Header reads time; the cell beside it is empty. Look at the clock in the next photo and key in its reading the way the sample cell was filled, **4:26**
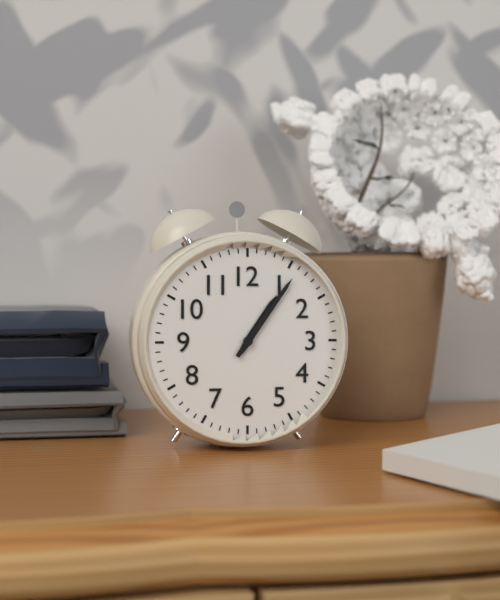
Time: **1:06**
